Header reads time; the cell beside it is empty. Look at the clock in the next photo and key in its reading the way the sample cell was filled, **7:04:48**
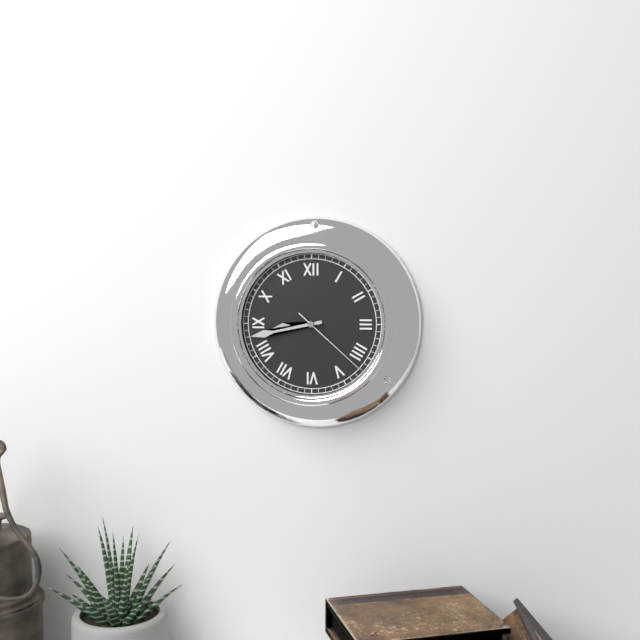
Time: **8:43:22**
